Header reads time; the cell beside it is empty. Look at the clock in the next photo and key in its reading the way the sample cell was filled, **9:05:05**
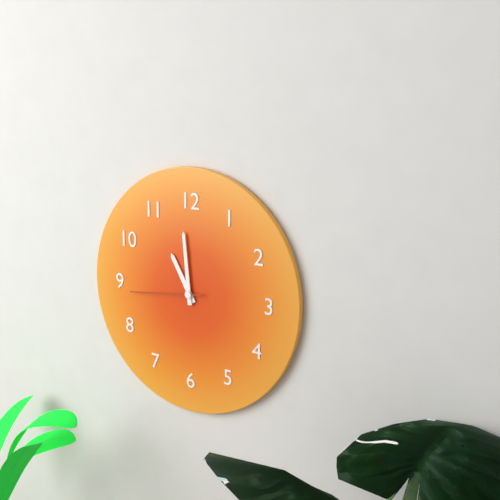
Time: **10:59:44**
